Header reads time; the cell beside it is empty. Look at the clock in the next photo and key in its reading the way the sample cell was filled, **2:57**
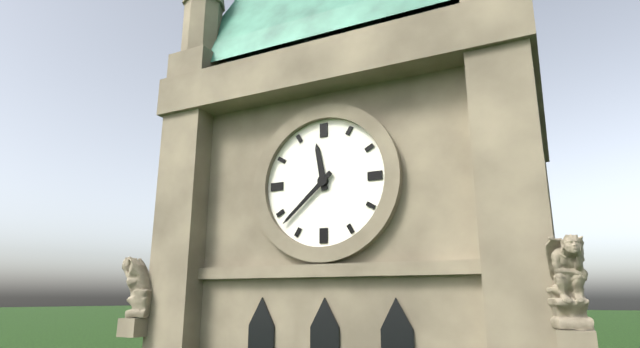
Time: **11:38**
